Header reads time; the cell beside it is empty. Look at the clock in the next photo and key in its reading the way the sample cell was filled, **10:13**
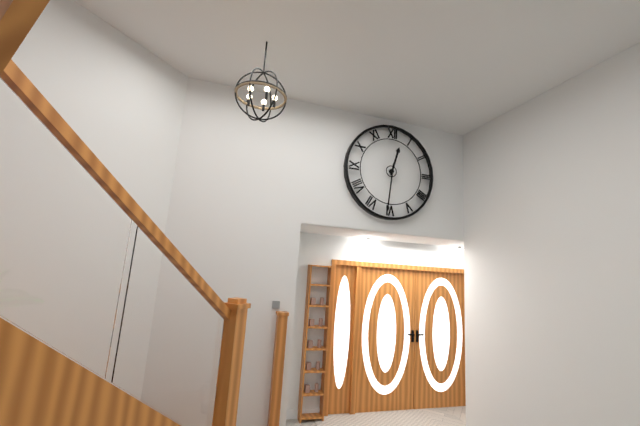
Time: **12:31**
